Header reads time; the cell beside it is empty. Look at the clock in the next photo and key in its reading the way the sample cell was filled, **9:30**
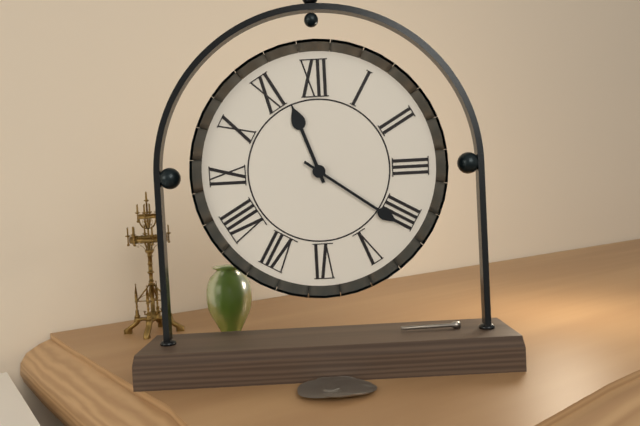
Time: **11:21**
